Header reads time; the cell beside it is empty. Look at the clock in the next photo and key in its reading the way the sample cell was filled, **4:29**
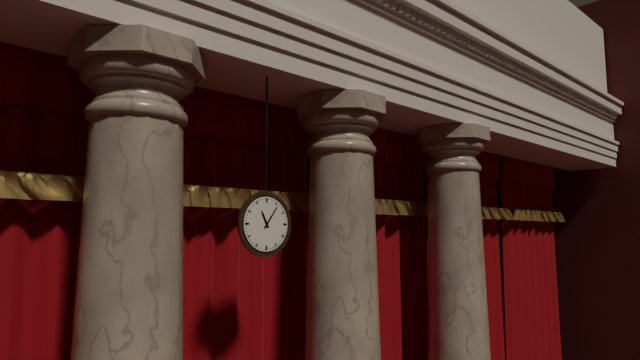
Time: **11:06**
